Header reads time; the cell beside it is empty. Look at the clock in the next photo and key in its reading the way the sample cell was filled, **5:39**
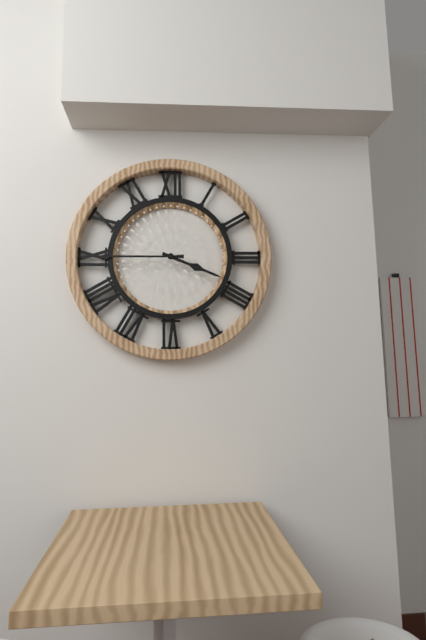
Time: **3:45**
